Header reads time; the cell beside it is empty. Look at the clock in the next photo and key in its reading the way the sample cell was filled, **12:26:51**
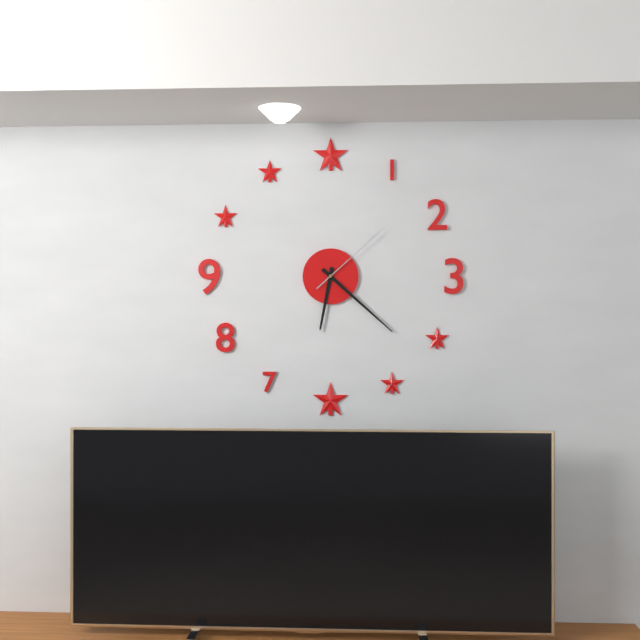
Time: **6:22:08**
